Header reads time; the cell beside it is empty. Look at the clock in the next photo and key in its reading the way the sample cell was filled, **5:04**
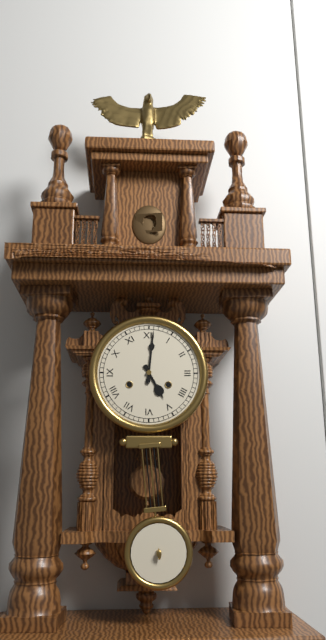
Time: **5:01**
